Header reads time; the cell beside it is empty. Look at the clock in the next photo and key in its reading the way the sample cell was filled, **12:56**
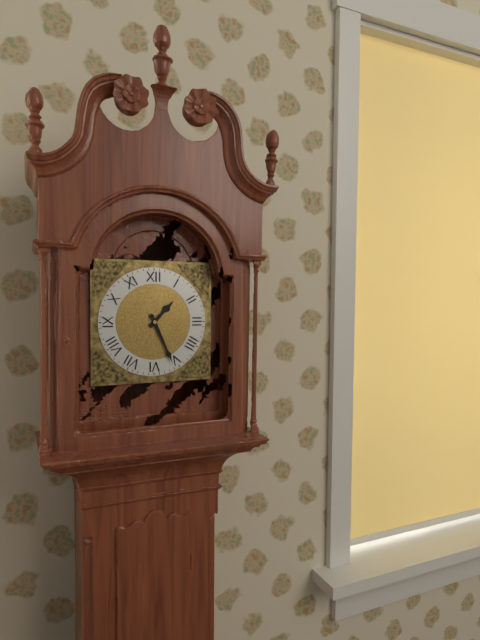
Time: **1:26**
